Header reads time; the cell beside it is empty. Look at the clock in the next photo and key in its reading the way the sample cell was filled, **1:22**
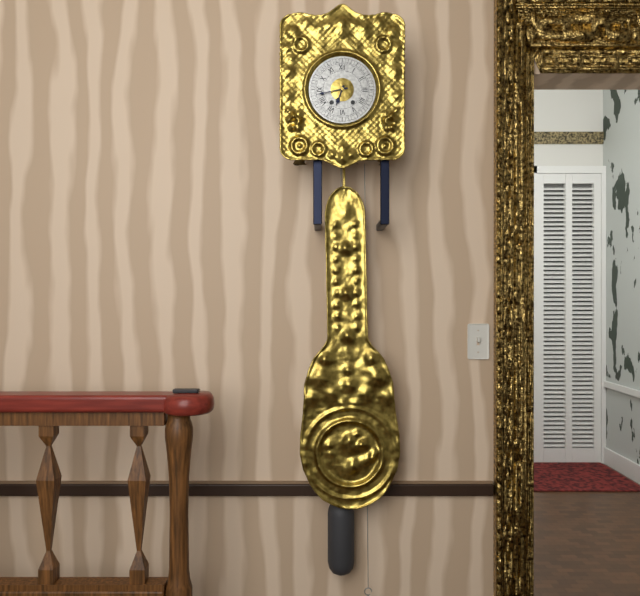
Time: **6:43**
